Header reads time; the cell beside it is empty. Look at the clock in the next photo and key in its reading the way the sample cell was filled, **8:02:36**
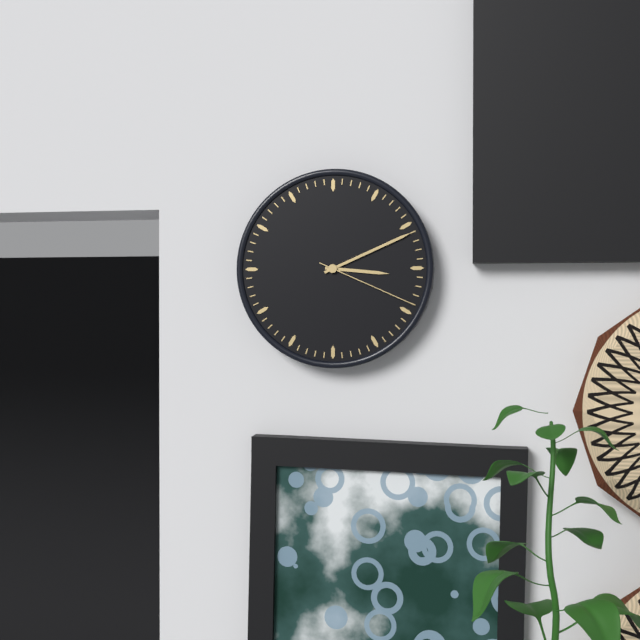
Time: **3:11:19**
